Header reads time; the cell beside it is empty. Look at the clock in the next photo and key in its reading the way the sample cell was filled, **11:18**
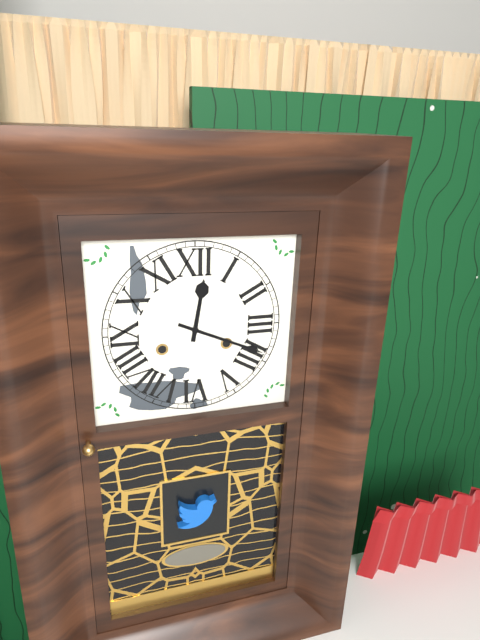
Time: **12:19**
